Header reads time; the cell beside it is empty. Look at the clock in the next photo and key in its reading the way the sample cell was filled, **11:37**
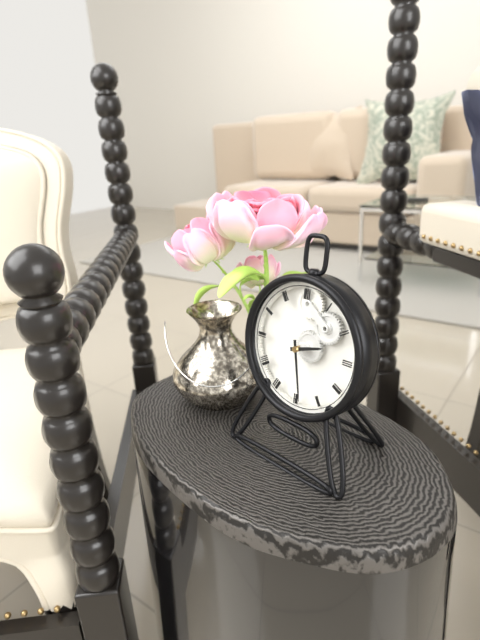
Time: **2:28**
